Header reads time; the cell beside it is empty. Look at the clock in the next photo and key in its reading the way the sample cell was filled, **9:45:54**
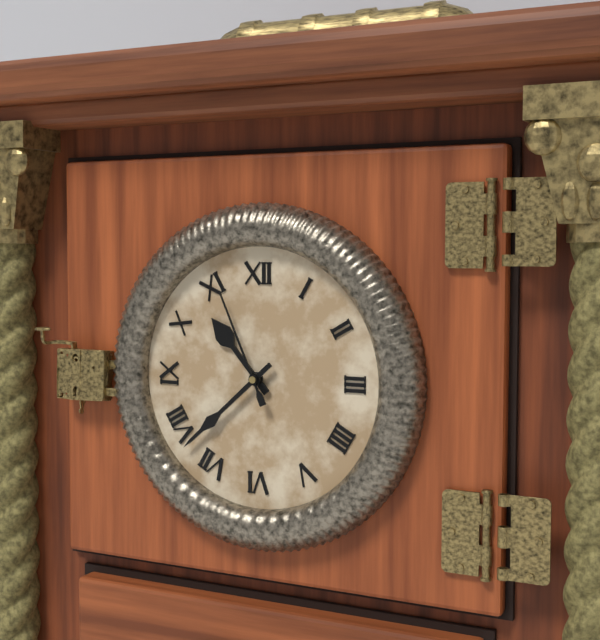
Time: **10:38:56**
